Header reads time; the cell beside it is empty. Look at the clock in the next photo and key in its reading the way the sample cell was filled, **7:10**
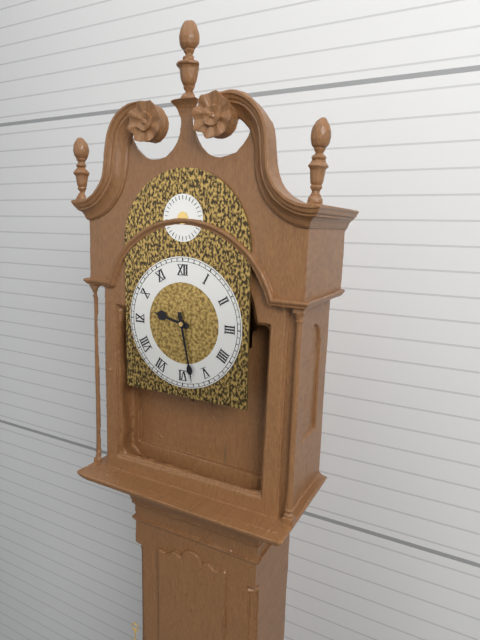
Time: **9:28**
